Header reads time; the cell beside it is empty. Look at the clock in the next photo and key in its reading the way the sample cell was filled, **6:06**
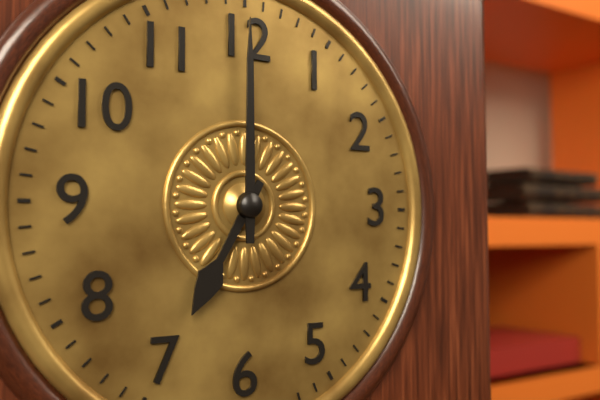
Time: **7:00**
